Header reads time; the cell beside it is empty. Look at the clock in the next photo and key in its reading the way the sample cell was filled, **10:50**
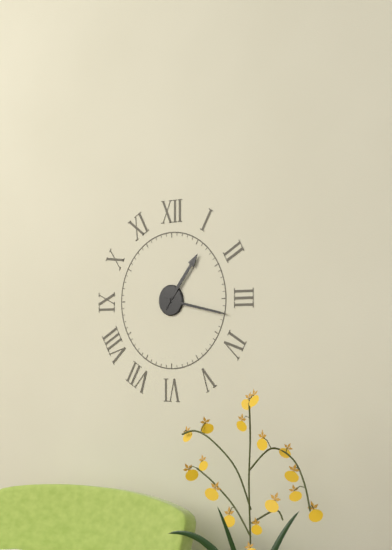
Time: **1:17**
